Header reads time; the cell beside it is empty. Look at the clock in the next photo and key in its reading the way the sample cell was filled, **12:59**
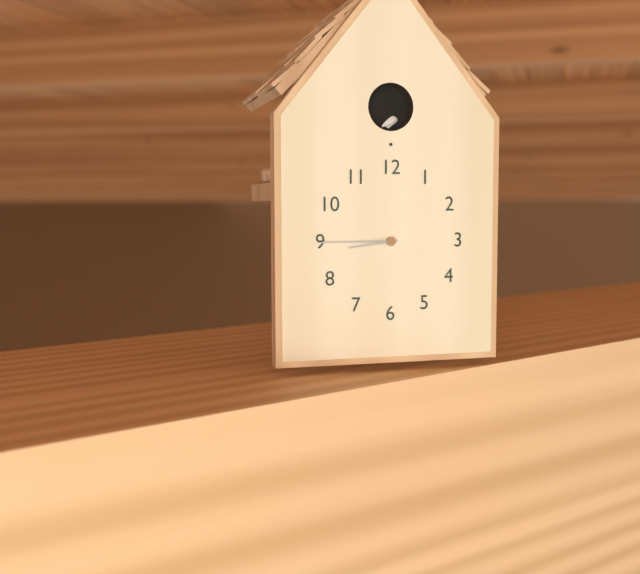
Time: **8:45**
